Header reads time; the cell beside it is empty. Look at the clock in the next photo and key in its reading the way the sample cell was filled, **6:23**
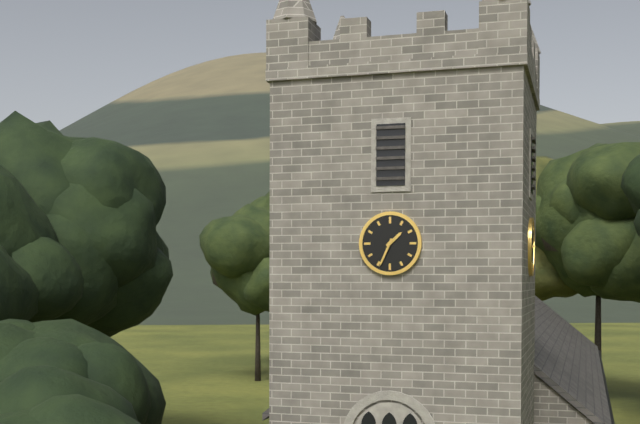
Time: **1:34**
